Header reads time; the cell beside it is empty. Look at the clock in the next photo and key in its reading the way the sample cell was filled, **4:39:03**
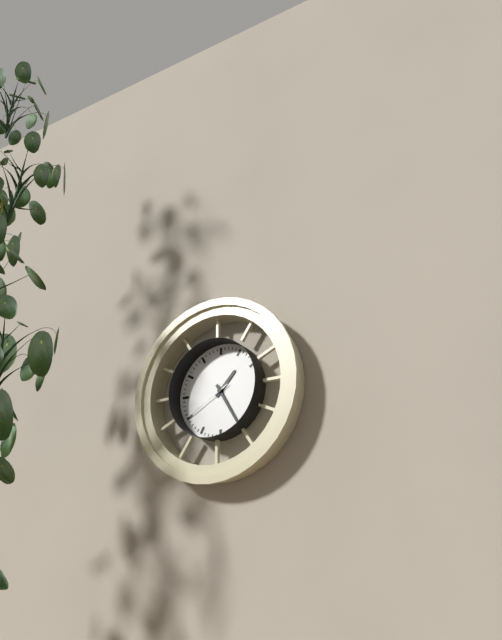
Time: **1:25:40**
